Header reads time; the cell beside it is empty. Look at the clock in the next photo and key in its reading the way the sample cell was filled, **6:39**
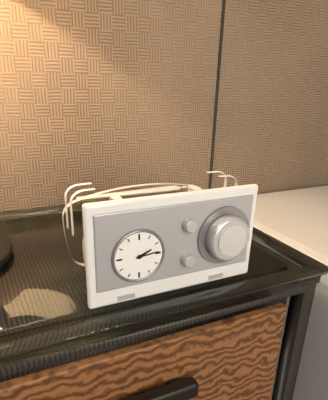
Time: **2:14**
